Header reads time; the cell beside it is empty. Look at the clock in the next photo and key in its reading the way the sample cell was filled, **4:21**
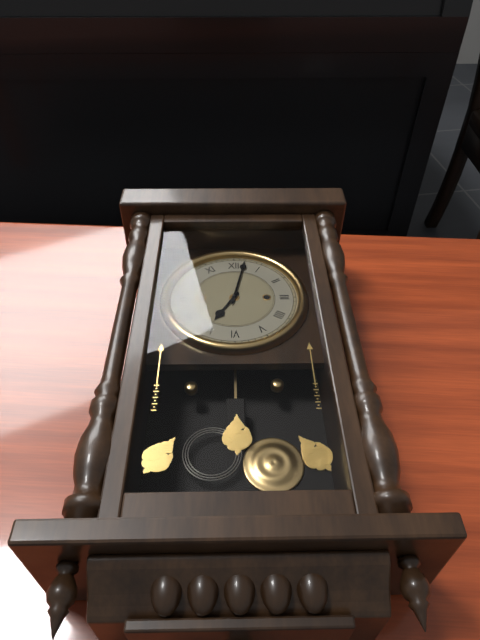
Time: **7:02**
